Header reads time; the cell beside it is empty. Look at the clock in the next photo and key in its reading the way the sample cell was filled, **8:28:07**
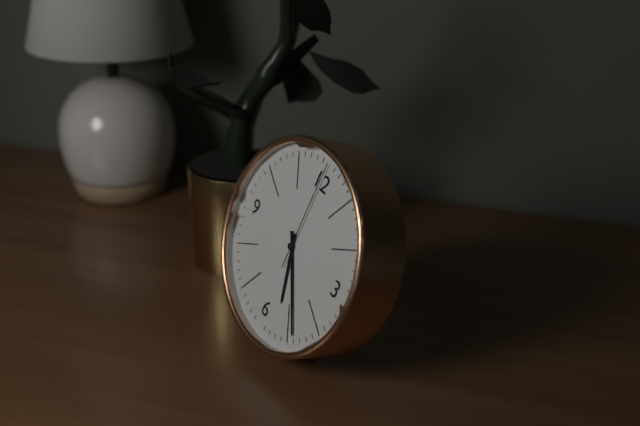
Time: **5:24:00**
